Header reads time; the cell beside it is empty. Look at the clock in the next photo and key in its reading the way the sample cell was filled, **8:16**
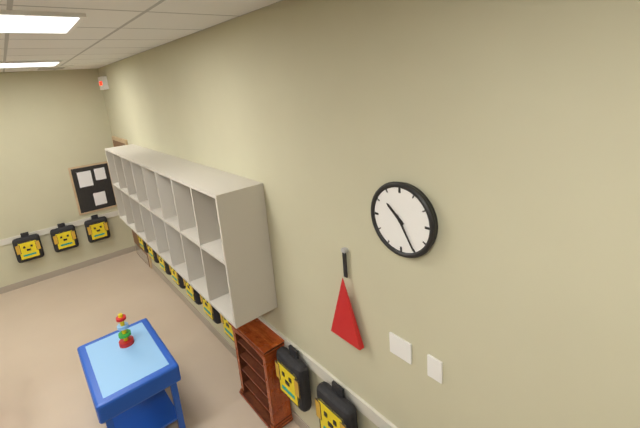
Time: **10:25**
